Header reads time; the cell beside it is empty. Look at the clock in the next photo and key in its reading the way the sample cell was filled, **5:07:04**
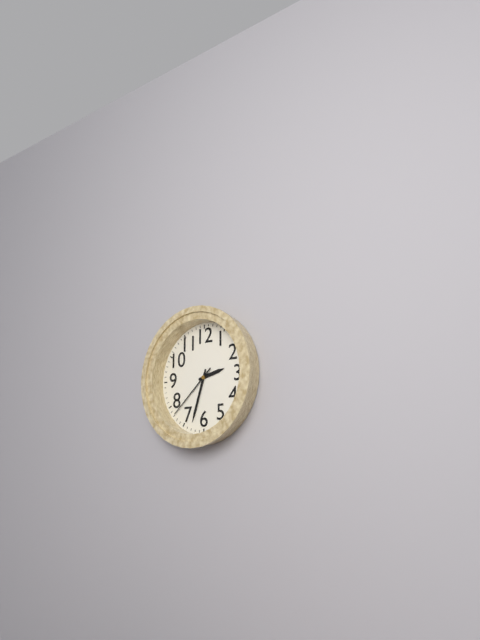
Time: **2:33:38**
